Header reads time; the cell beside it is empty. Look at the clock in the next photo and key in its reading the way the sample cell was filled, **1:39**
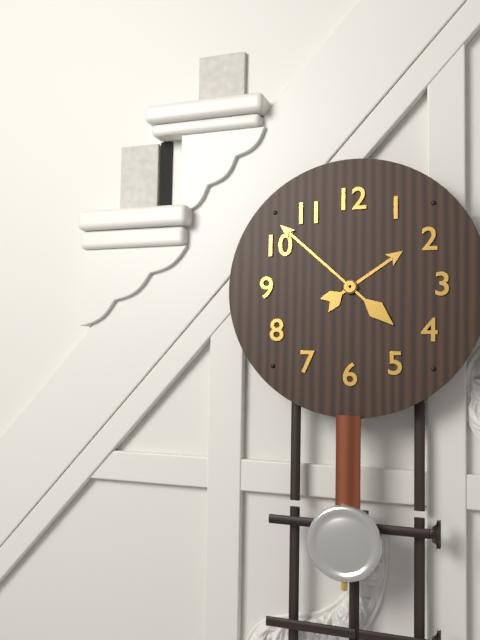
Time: **1:52**
